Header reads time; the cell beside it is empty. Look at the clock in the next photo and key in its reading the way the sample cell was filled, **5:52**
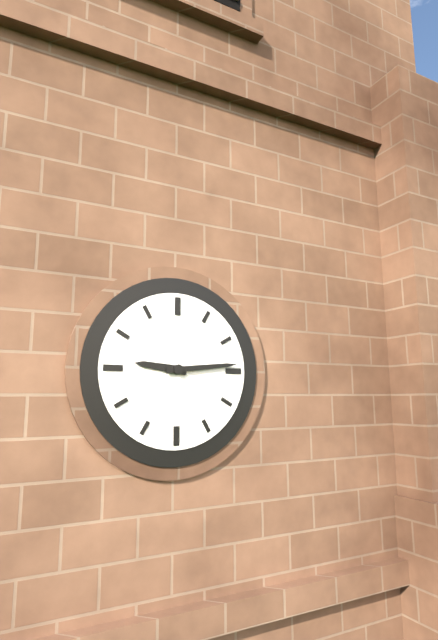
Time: **9:14**
